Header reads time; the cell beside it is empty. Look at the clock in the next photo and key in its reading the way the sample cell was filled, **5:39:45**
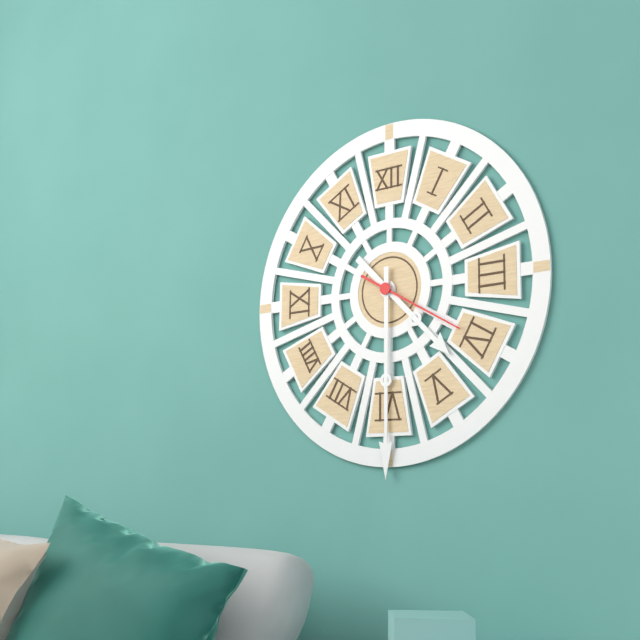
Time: **4:30:20**
